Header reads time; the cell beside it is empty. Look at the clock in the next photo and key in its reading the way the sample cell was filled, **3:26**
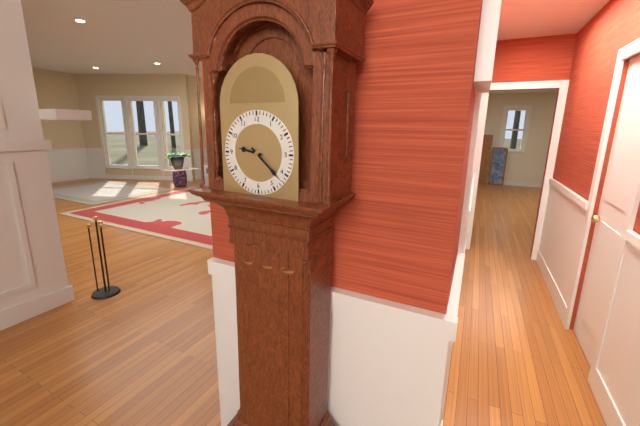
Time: **9:22**
